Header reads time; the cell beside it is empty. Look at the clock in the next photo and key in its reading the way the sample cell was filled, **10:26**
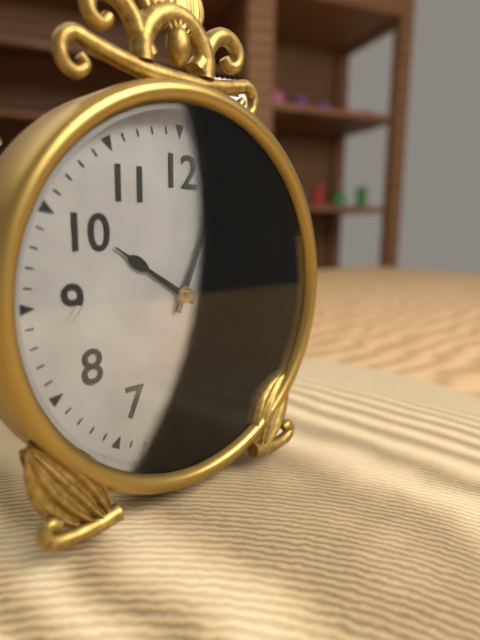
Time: **10:04**
